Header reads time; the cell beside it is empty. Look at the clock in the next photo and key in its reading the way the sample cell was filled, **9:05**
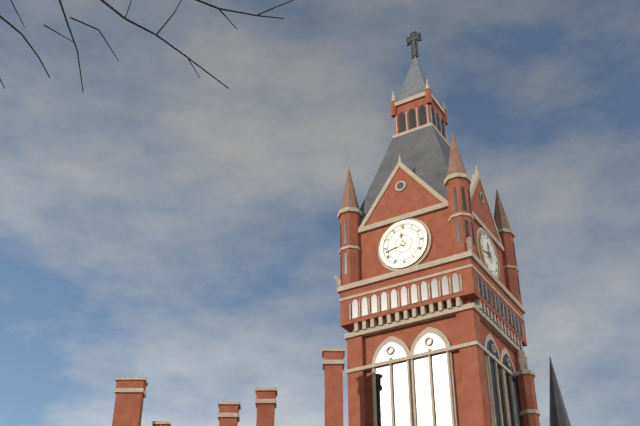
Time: **11:43**
